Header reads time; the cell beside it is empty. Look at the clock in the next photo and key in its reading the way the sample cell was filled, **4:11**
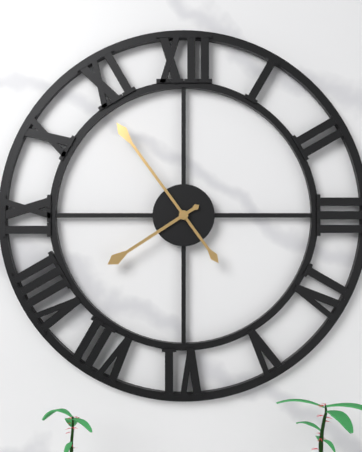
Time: **7:54**
